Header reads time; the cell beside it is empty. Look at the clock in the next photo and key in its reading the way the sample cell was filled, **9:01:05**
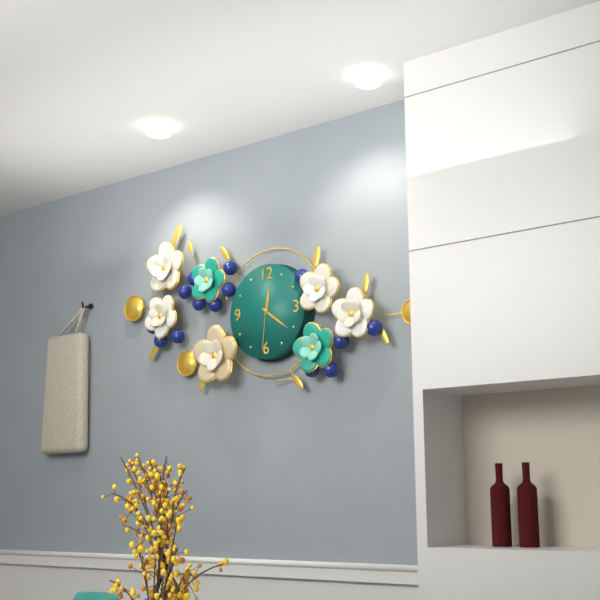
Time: **12:21:31**
